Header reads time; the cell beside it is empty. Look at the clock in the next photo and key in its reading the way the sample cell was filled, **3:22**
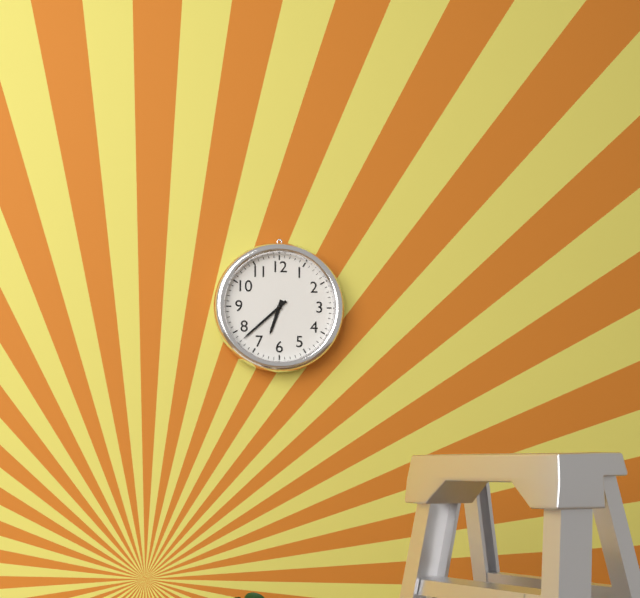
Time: **6:38**
